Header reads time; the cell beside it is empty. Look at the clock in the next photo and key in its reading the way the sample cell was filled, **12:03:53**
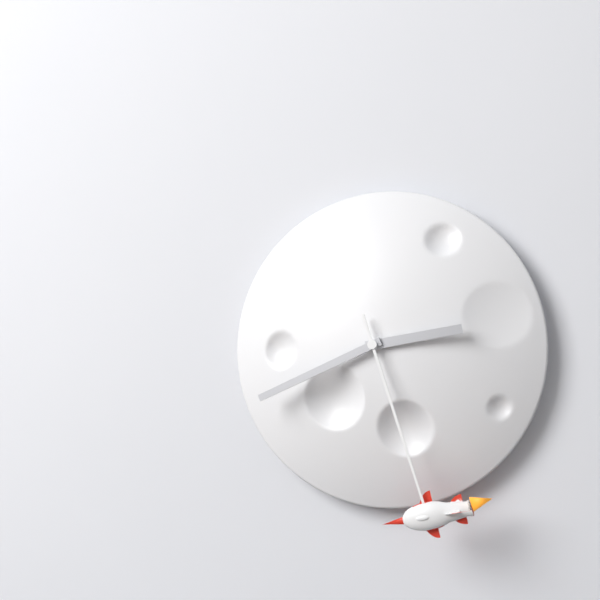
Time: **2:41:27**
